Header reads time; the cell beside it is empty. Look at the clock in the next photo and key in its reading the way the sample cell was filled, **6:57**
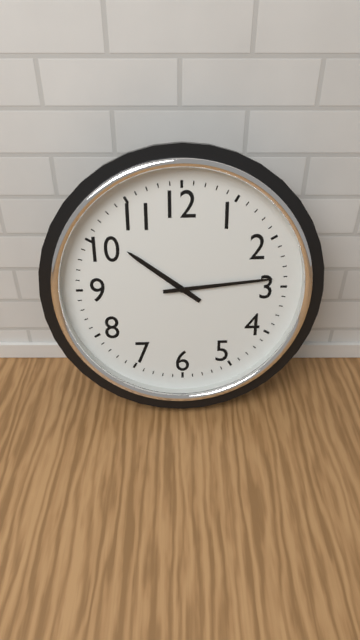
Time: **10:14**
